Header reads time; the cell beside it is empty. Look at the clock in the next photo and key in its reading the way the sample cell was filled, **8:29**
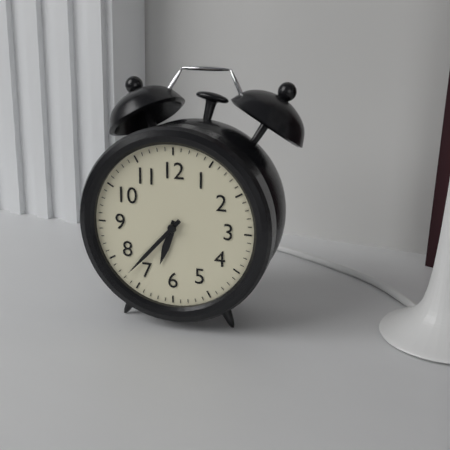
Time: **6:37**
